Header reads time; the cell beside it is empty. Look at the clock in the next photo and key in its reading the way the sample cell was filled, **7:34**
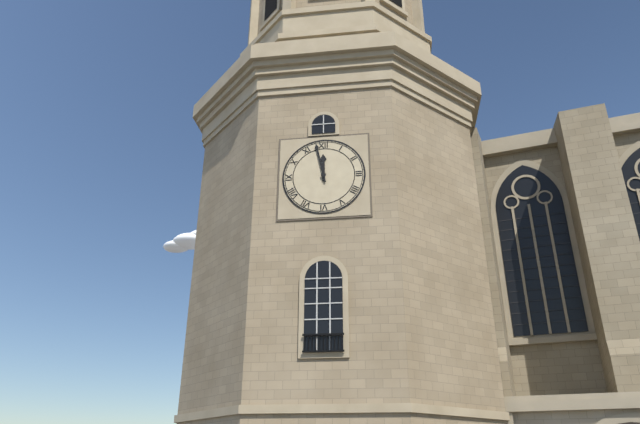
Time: **11:58**
